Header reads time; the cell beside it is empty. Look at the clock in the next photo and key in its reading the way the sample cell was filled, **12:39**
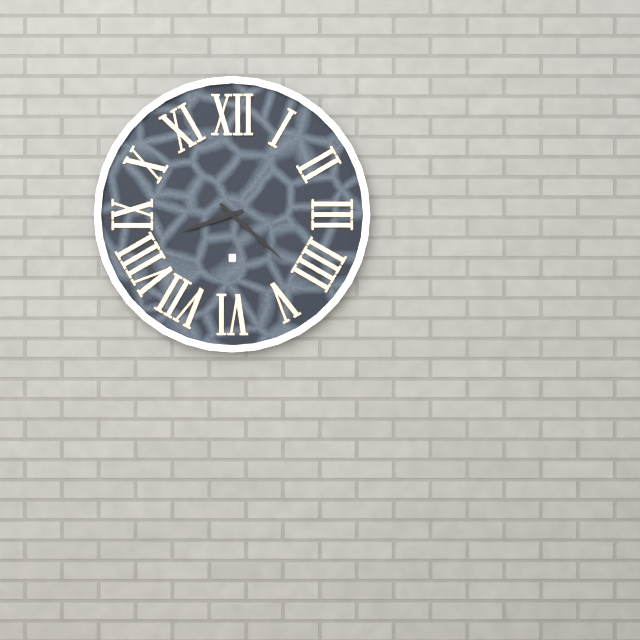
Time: **8:22**
